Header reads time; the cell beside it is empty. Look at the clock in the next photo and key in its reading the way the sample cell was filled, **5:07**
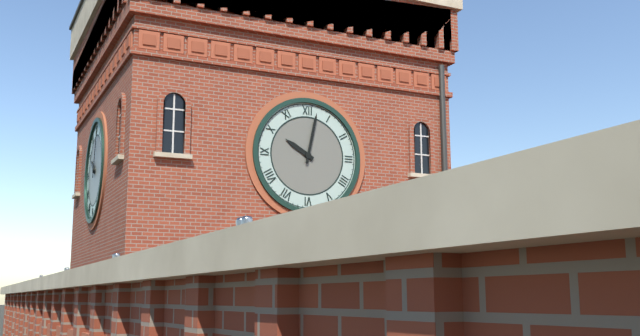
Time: **10:02**
